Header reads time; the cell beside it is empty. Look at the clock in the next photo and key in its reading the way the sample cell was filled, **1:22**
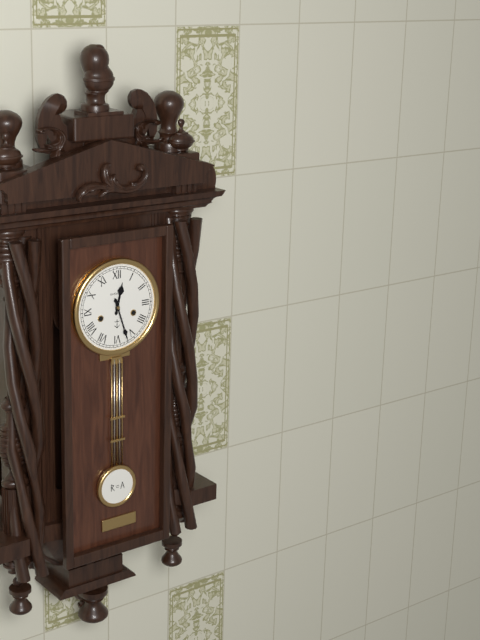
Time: **12:27**
